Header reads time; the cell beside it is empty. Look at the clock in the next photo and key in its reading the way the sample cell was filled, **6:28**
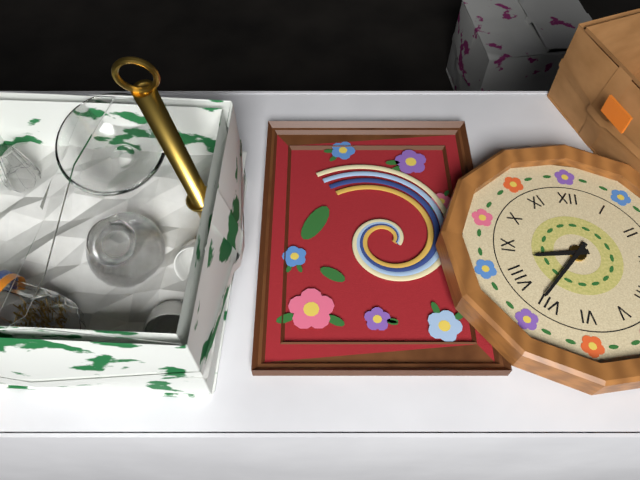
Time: **8:36**
